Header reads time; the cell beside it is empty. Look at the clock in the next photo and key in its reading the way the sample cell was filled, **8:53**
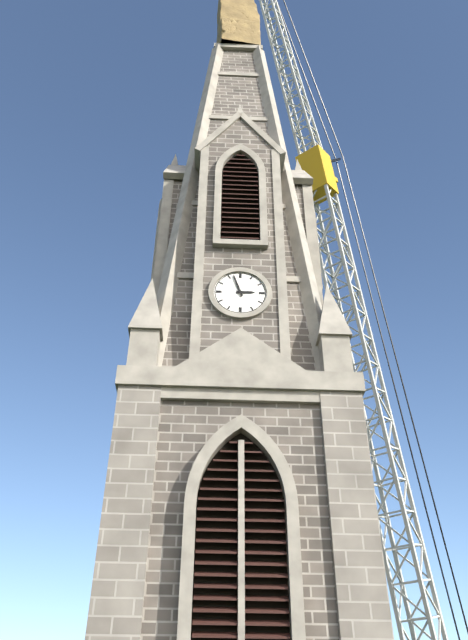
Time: **2:57**
